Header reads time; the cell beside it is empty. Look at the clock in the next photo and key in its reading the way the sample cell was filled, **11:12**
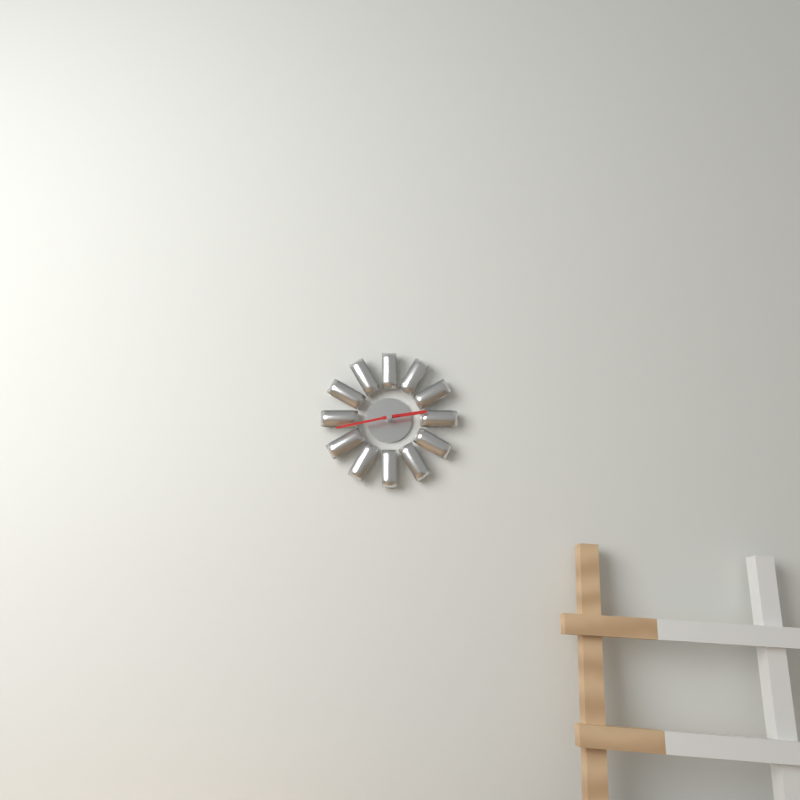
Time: **2:43**
